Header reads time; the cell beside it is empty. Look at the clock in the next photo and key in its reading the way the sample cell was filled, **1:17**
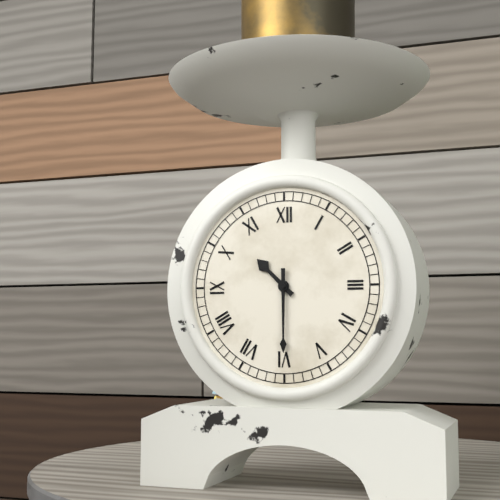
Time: **10:30**
